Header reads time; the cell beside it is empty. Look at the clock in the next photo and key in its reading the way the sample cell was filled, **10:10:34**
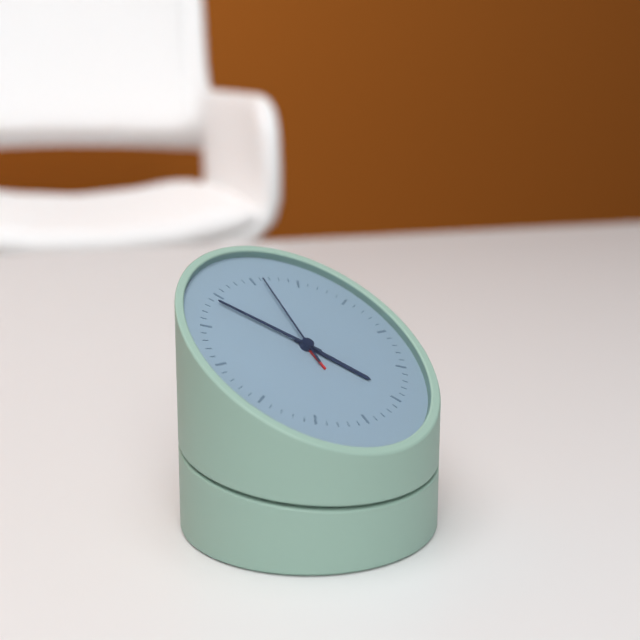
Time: **4:54:01**
